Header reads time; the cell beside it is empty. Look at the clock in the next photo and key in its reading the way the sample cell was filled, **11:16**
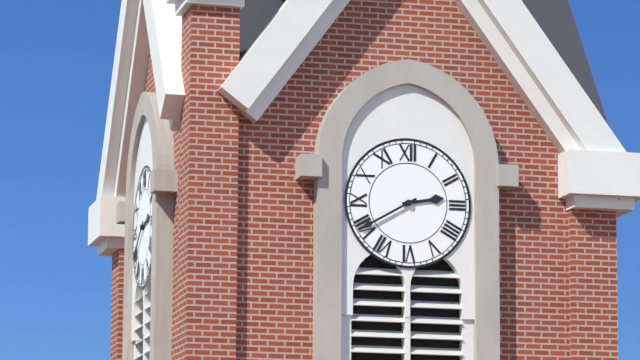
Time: **2:40**
